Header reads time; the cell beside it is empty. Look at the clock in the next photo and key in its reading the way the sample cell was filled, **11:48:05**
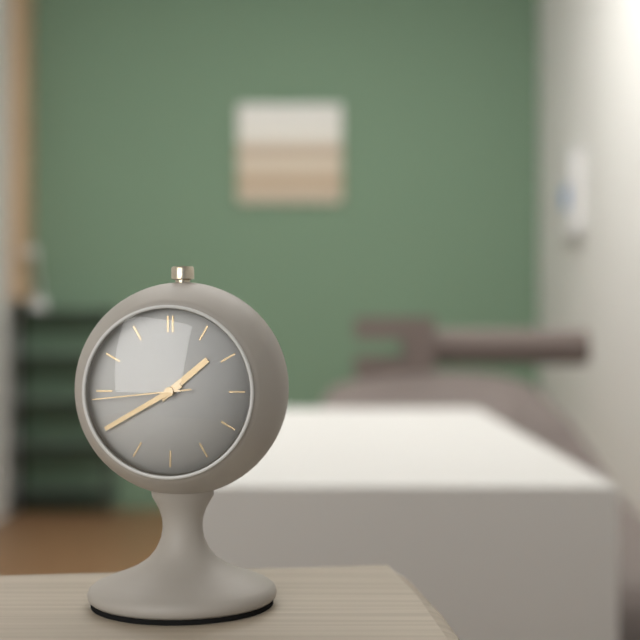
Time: **1:40:44**
